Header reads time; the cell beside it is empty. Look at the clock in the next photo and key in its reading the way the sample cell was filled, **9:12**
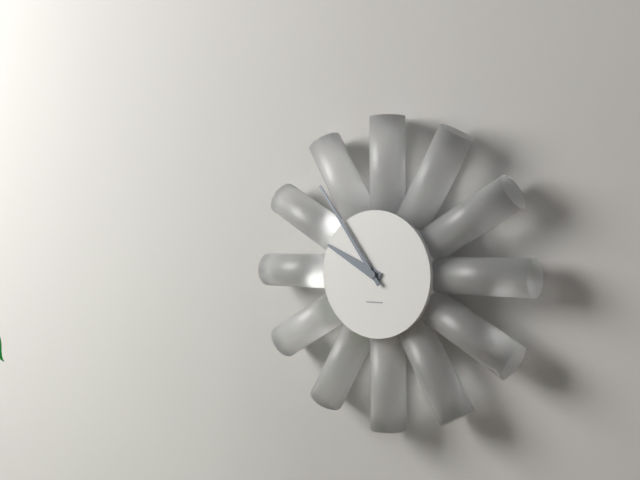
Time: **9:54**
